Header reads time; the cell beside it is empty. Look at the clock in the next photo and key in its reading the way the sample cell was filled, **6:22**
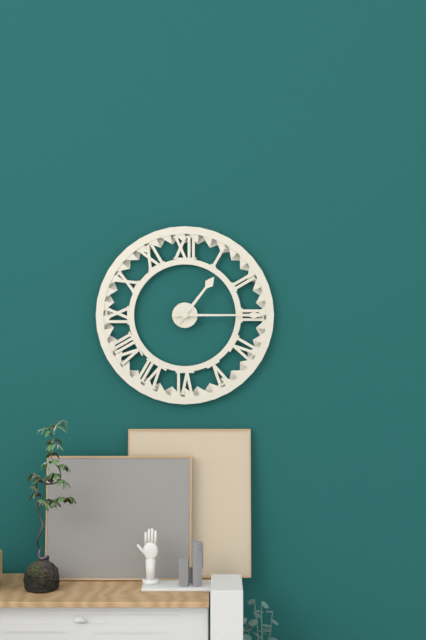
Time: **1:15**
